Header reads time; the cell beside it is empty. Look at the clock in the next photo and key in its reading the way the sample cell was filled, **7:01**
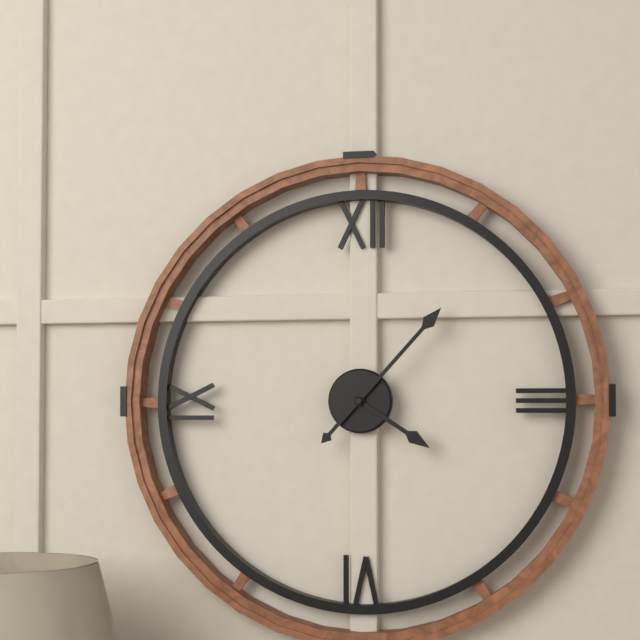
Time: **4:07**
